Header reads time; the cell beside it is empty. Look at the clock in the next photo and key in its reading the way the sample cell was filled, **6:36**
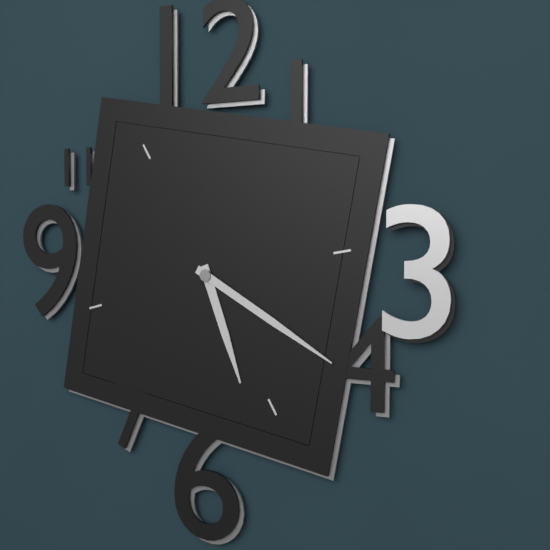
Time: **5:20**
